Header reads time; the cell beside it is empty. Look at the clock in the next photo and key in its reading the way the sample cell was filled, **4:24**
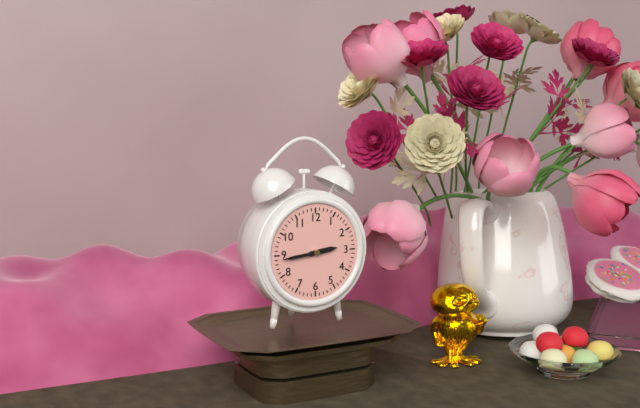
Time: **2:44**
